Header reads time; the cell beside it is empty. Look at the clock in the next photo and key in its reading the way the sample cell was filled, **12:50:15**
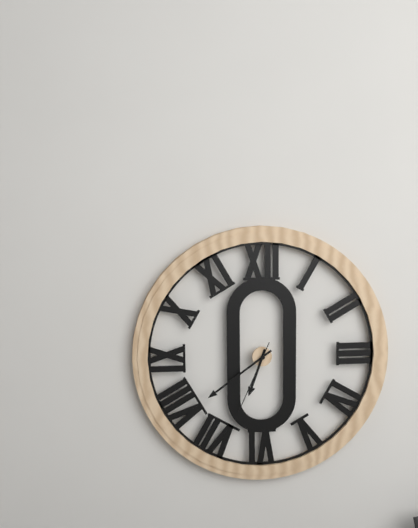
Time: **6:39:34**
